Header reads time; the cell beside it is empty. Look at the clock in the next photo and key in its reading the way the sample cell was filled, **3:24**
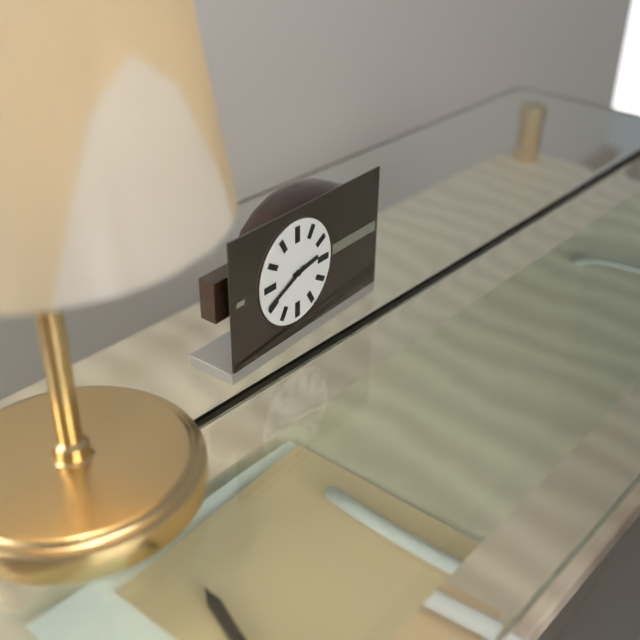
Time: **2:41**
